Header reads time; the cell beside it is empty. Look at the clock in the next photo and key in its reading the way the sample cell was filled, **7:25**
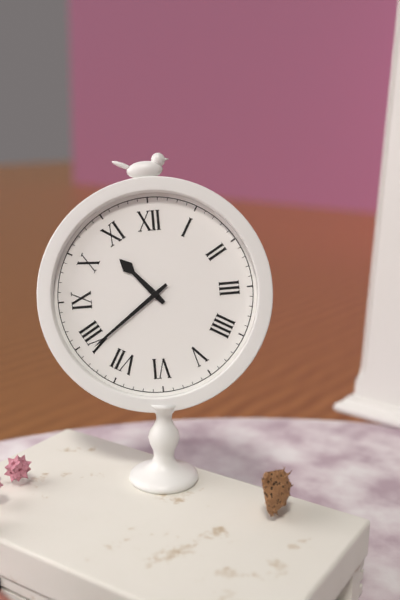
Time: **10:39**
